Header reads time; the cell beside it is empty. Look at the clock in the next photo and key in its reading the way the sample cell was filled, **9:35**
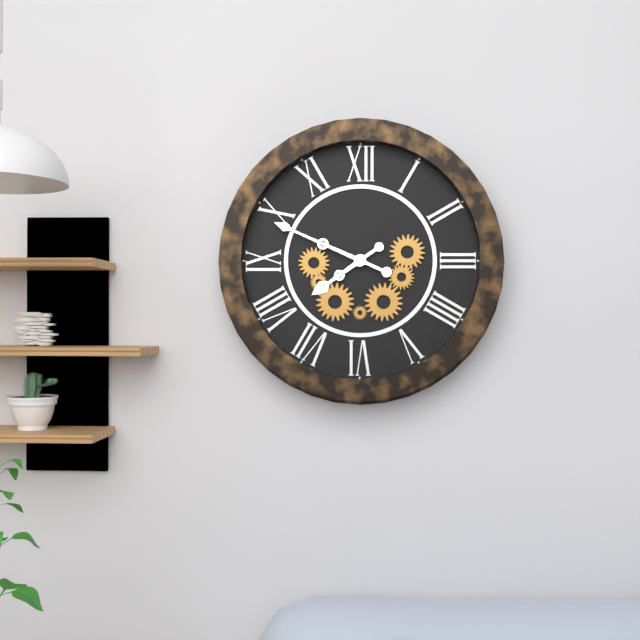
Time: **7:49**
